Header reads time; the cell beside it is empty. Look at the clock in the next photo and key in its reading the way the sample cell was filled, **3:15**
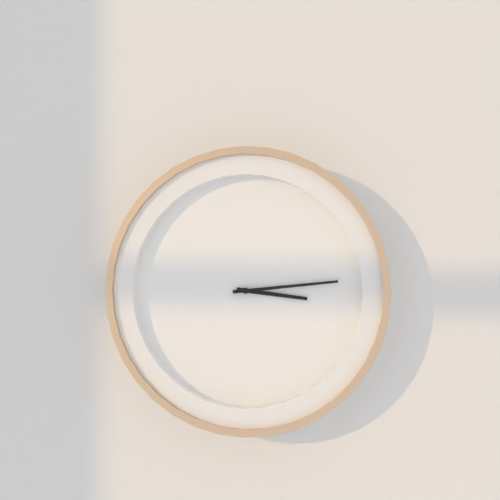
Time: **3:14**
